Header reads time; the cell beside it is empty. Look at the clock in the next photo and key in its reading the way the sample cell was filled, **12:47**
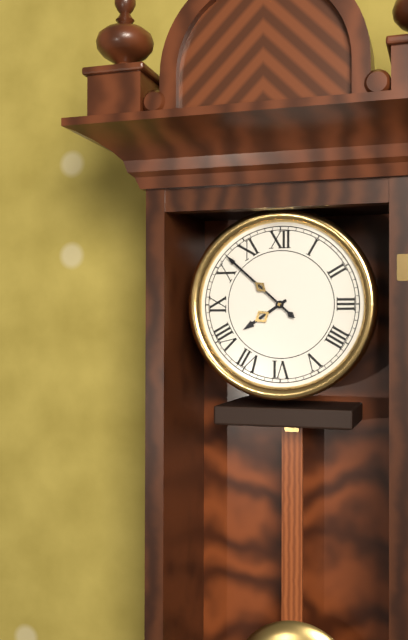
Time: **7:52**
